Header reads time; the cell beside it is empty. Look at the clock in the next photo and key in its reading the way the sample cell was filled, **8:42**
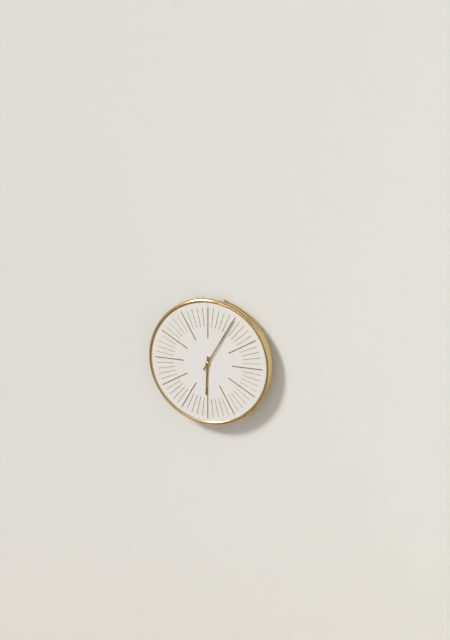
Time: **6:05**
